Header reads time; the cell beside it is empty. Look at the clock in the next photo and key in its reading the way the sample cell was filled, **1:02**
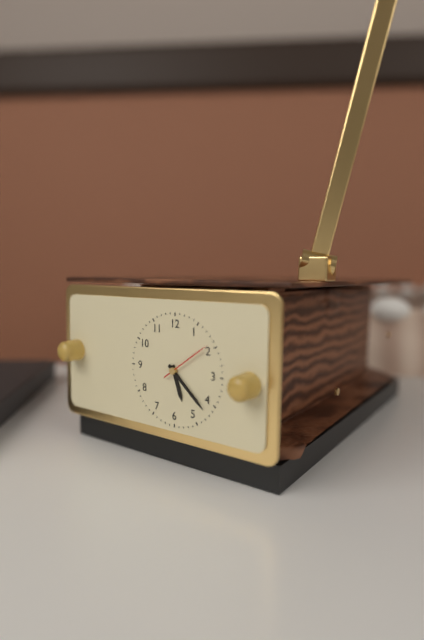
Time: **5:22**
